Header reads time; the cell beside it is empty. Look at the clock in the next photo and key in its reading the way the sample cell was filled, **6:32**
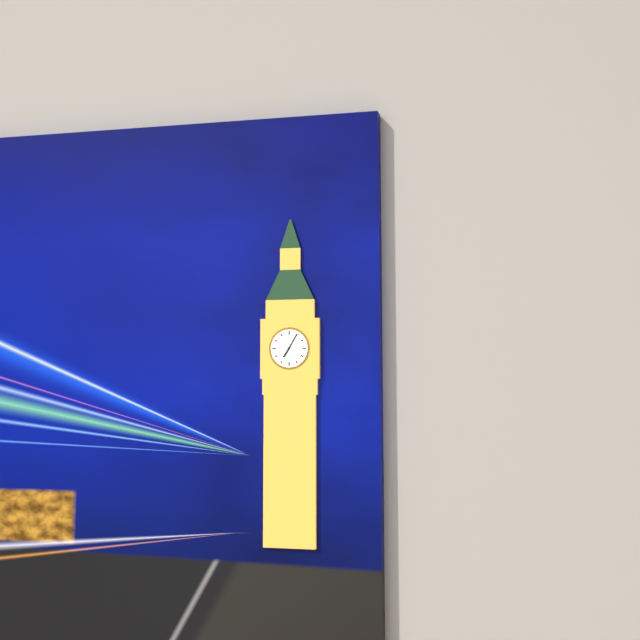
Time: **7:05**
